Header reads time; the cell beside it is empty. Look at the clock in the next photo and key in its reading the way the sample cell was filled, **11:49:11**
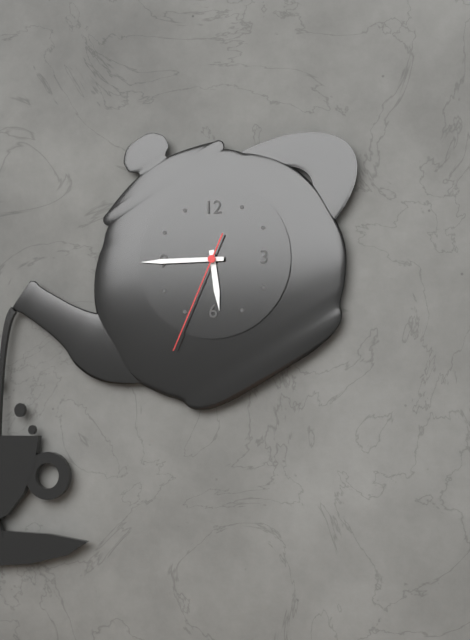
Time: **5:45:34**
